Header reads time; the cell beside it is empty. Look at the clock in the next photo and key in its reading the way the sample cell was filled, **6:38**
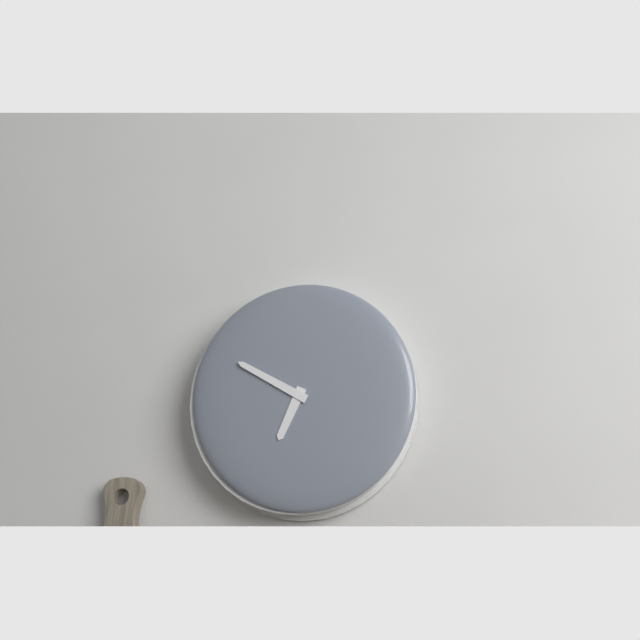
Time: **6:50**
